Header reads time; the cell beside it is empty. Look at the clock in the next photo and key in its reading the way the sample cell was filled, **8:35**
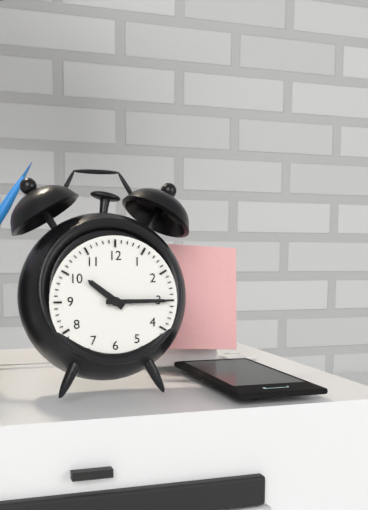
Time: **10:15**
